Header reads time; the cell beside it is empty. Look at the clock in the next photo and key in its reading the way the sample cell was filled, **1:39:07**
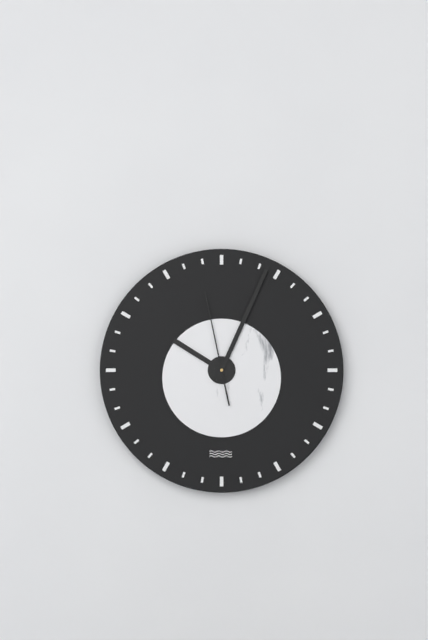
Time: **10:04:58**
